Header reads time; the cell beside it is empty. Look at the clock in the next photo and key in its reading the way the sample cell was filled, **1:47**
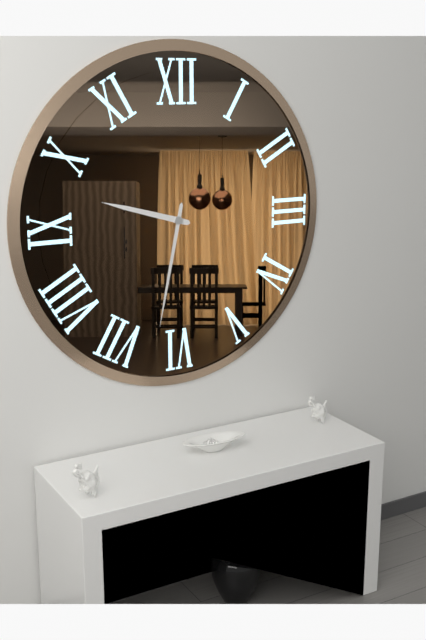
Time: **9:32**
